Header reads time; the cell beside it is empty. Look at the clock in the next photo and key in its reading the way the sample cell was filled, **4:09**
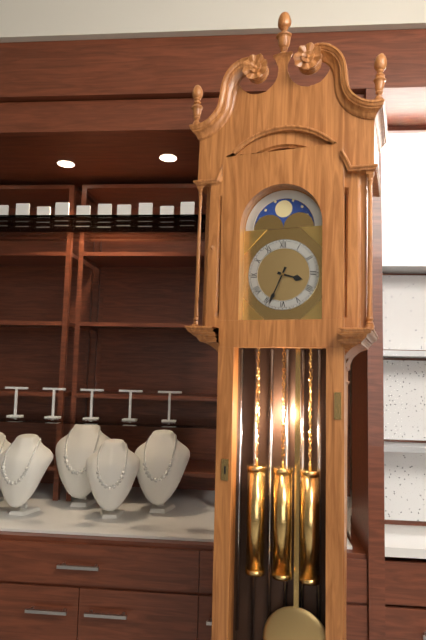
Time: **3:34**
